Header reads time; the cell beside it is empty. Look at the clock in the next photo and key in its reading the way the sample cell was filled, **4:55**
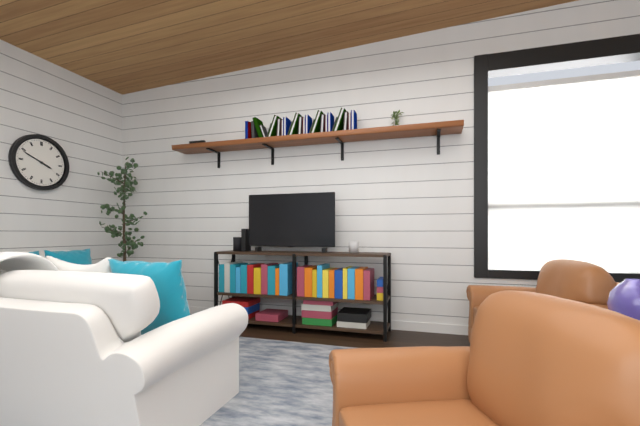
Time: **3:49**
